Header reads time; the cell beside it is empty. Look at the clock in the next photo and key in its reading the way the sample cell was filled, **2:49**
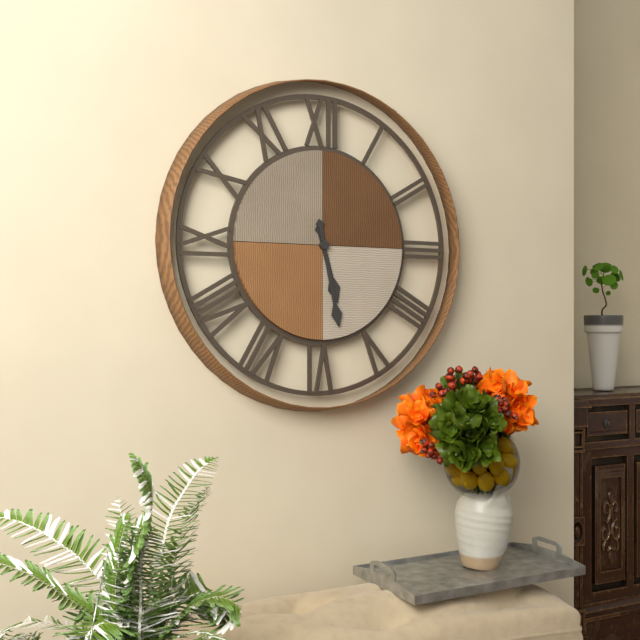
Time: **5:28**
